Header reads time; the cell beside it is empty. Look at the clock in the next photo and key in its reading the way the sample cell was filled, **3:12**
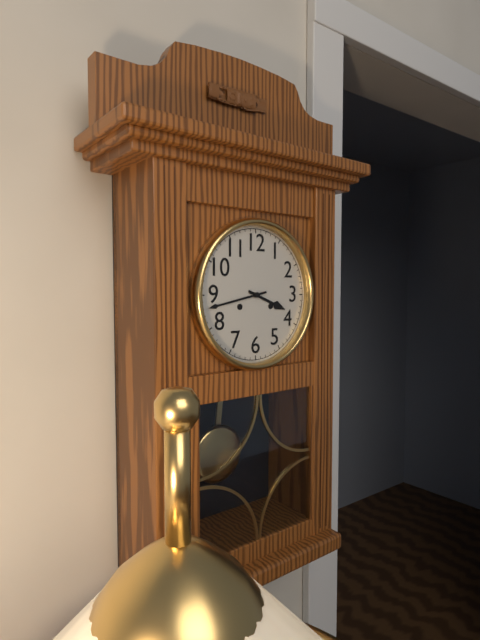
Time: **3:43**
